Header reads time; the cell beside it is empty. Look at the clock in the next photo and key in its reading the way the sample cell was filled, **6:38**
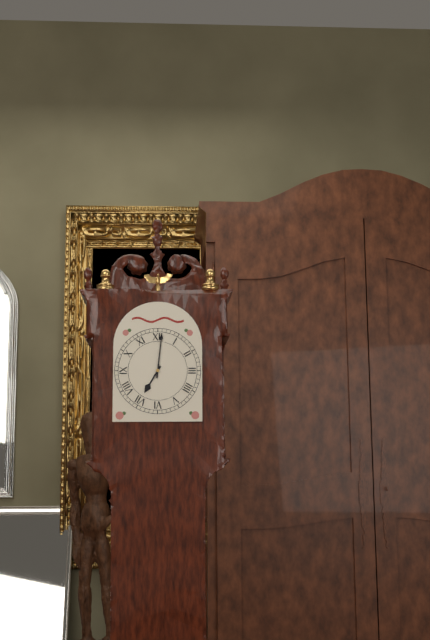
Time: **7:01**
